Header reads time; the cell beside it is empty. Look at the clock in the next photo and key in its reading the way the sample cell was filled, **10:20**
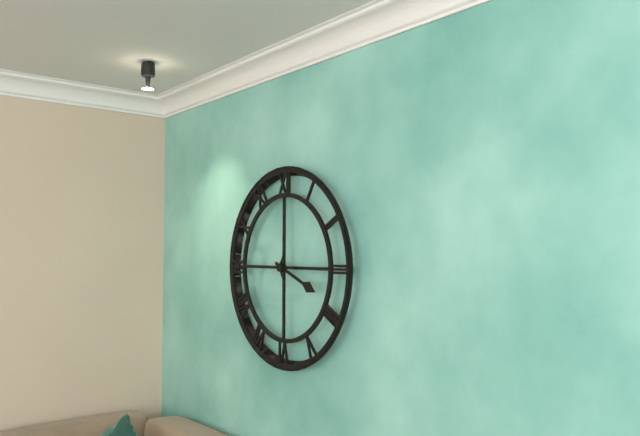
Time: **3:45**
